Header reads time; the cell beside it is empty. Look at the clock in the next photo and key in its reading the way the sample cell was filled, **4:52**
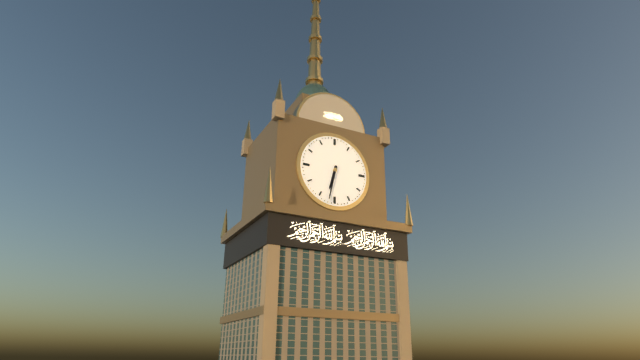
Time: **6:32**
